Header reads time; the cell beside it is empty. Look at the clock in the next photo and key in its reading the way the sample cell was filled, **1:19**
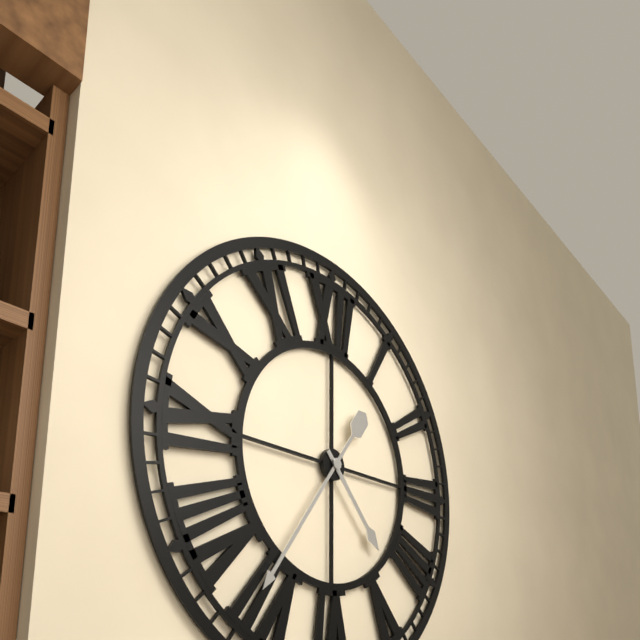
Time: **4:36**
